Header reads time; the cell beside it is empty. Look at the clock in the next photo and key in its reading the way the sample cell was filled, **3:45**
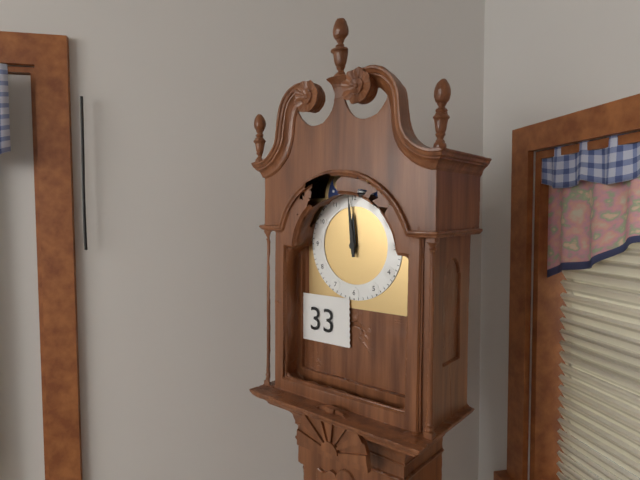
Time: **11:59**
